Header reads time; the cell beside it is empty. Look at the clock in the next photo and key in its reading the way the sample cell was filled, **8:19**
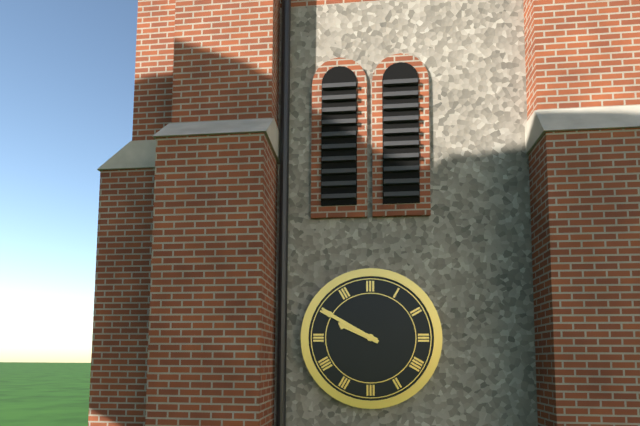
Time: **9:50**
